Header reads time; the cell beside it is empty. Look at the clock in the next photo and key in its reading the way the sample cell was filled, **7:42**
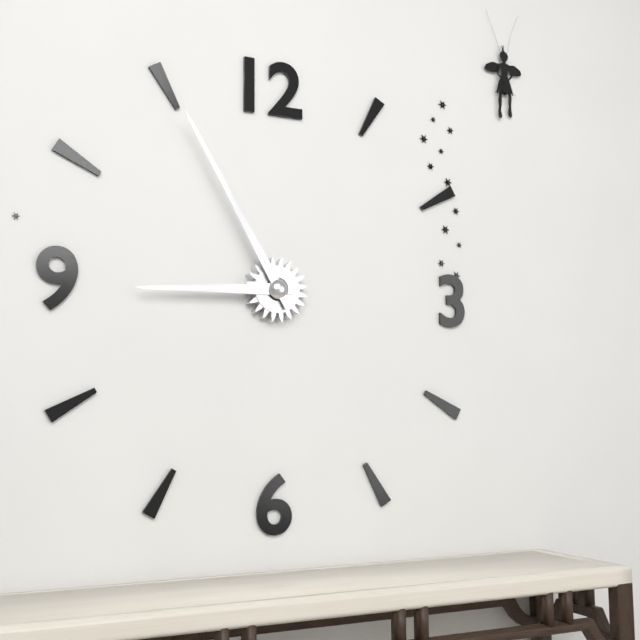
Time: **8:55**
